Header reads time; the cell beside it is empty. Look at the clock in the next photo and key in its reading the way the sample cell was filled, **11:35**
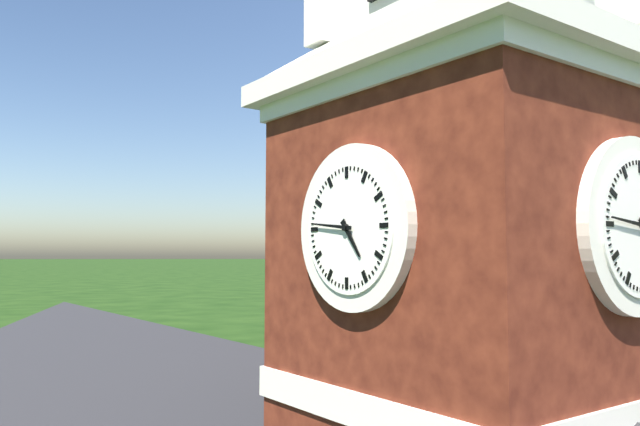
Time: **4:46**
